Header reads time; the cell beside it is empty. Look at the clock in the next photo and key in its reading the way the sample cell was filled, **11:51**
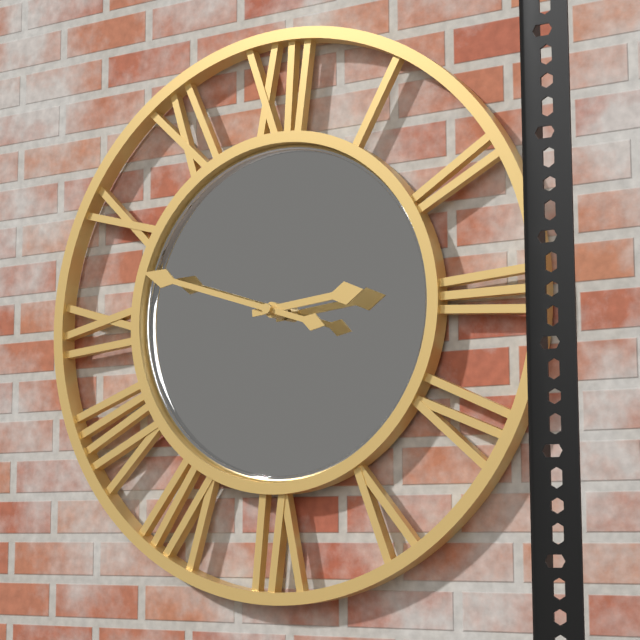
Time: **2:48**
